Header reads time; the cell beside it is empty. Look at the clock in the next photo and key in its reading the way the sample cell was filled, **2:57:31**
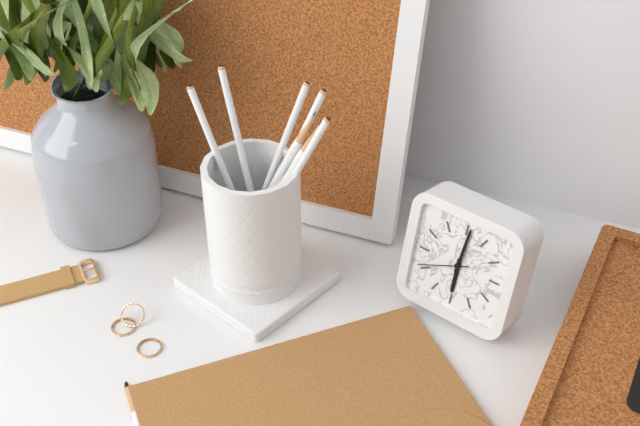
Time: **6:01:41**
